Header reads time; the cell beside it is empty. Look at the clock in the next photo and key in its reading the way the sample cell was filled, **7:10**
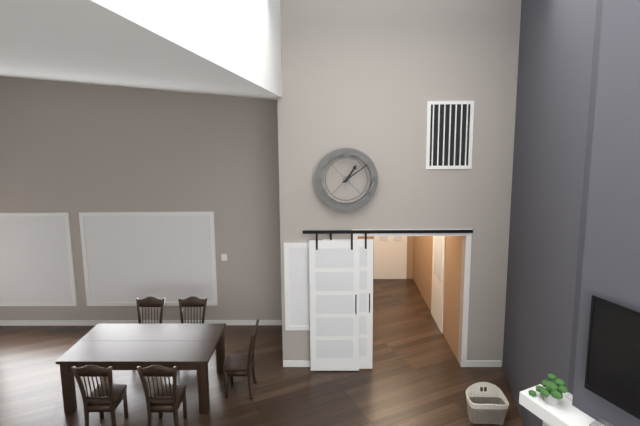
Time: **1:09**
